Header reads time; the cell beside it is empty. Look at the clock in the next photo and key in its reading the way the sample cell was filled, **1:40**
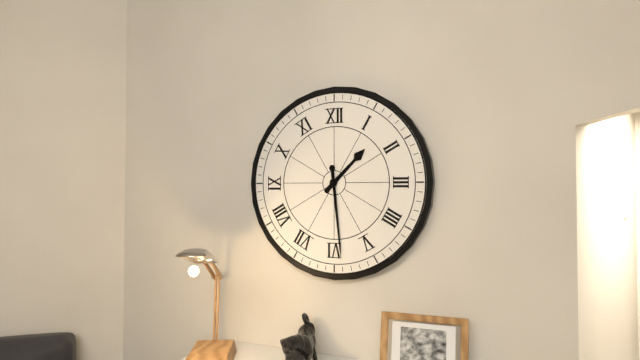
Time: **1:29**
